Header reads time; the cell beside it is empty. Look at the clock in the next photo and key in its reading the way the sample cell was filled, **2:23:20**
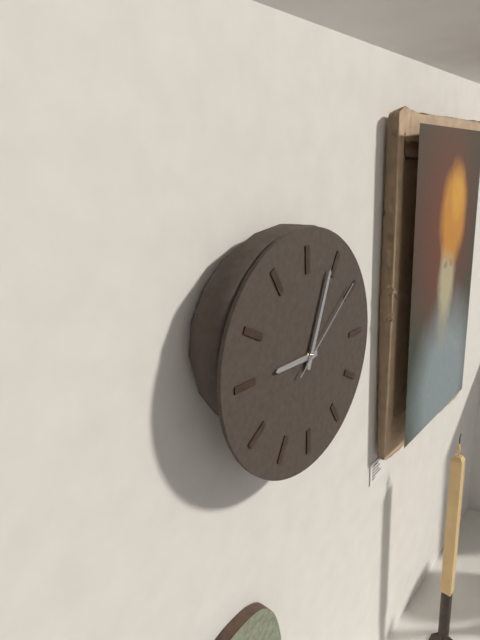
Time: **9:04:09**
